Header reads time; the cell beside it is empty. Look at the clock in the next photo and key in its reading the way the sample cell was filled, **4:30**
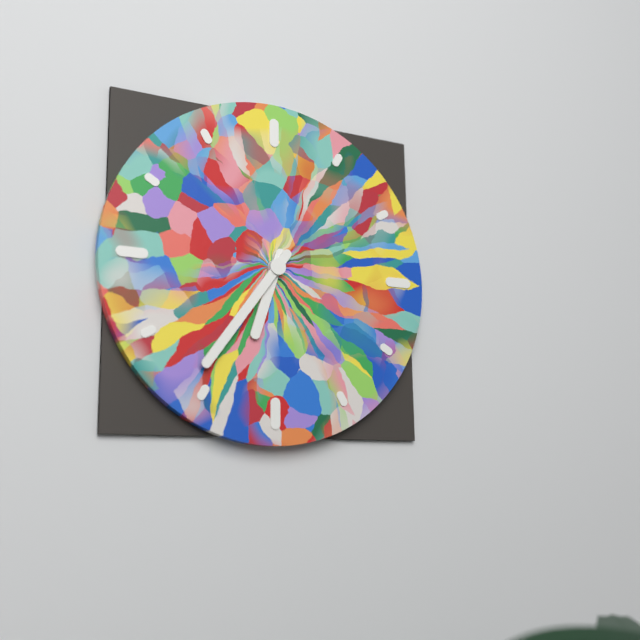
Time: **6:36**
